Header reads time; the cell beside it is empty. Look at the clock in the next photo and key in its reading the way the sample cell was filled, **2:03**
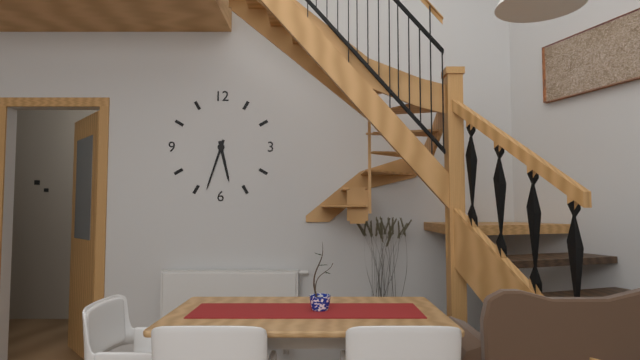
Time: **5:33**
